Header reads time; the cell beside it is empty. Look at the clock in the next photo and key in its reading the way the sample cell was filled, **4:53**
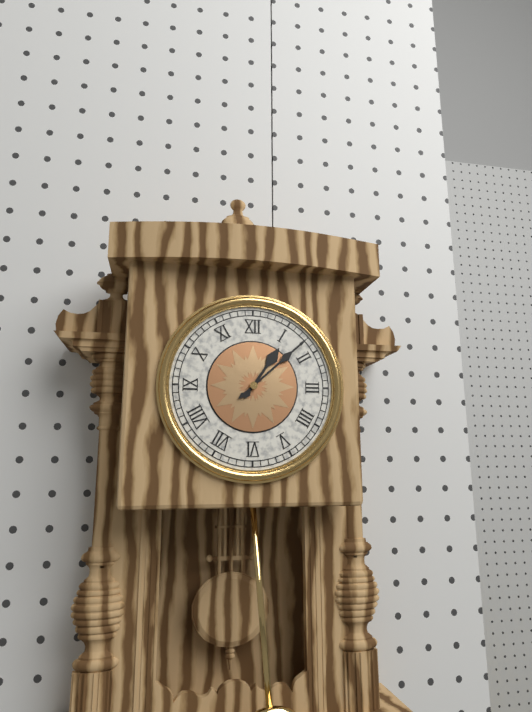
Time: **1:08**
